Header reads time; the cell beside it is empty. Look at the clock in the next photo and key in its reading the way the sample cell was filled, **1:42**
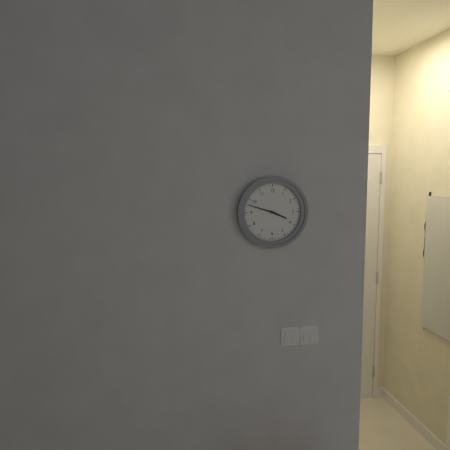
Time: **3:48**
